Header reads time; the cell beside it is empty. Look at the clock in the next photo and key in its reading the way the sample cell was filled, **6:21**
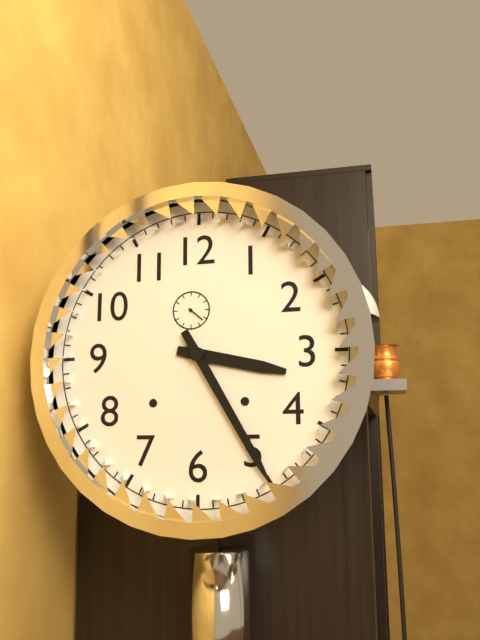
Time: **3:25**
